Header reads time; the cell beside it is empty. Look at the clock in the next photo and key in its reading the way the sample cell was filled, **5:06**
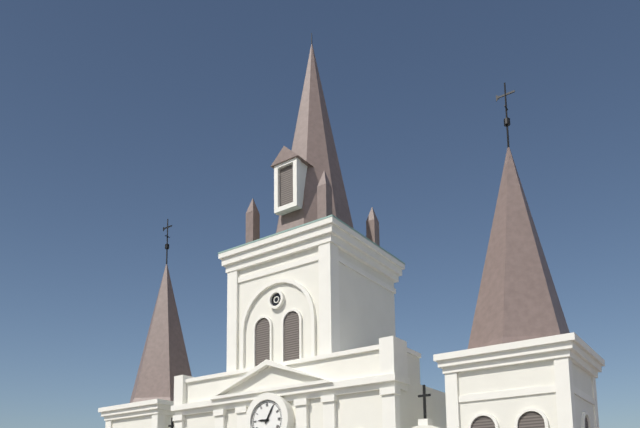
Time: **9:05**
